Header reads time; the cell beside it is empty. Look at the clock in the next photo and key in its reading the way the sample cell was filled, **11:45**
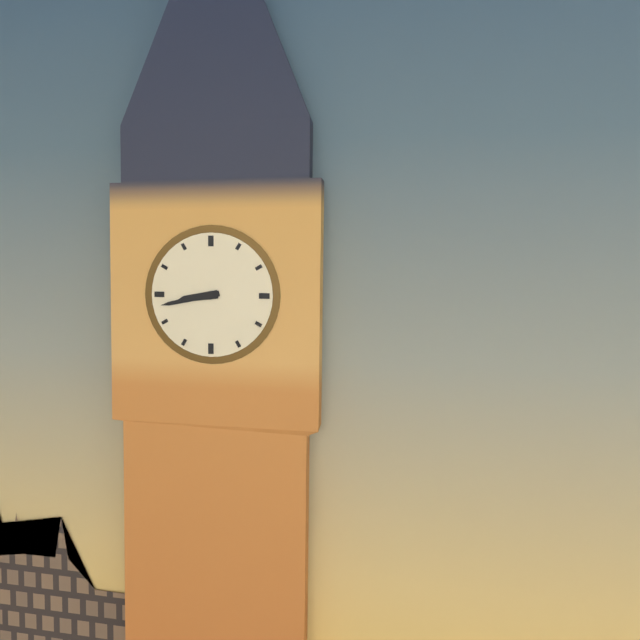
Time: **8:43**
